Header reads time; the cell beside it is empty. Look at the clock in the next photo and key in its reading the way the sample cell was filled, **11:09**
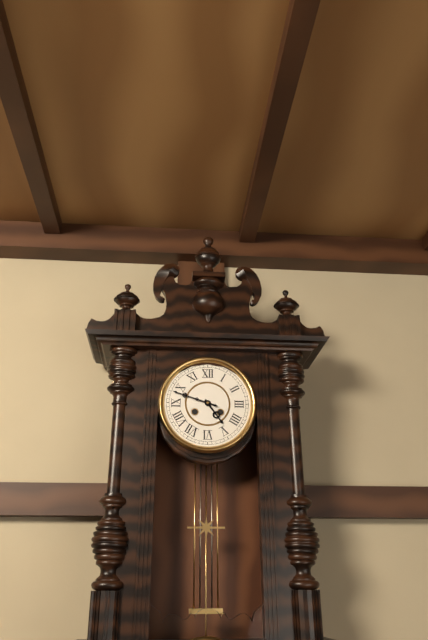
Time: **4:48**
